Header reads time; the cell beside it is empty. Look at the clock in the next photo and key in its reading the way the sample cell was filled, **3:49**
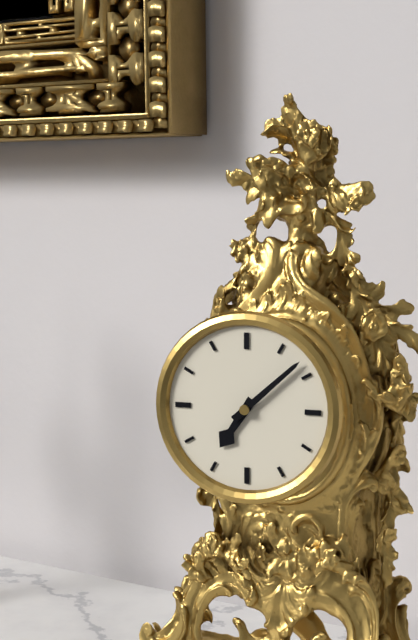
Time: **7:08**
